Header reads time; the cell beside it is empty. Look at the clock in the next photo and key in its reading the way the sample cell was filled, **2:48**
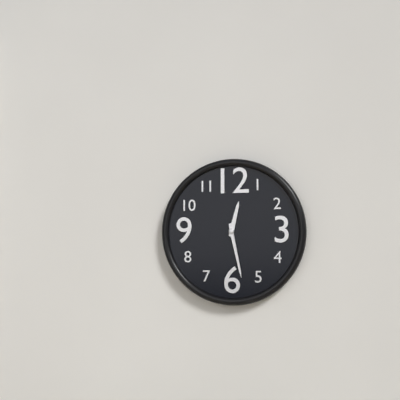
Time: **12:28**
